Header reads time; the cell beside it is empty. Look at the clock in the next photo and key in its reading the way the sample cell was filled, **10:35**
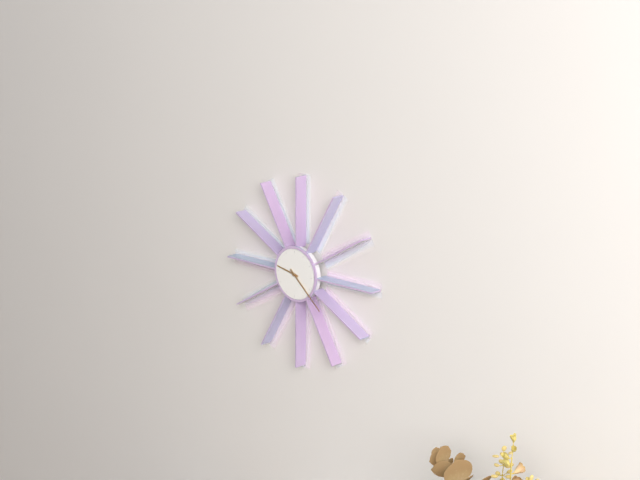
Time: **9:22**
